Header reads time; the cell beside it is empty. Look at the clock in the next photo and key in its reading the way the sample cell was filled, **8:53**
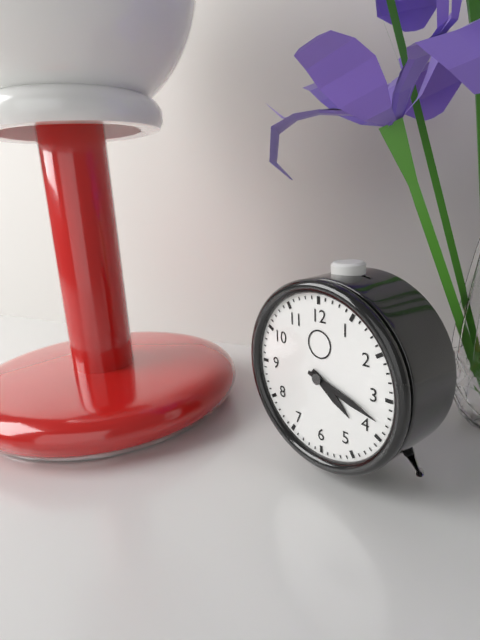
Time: **4:18**
